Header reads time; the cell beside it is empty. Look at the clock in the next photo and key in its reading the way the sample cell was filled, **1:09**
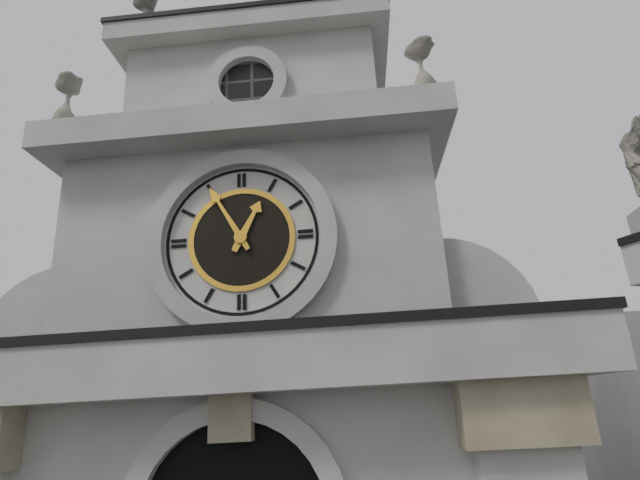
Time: **12:55**
